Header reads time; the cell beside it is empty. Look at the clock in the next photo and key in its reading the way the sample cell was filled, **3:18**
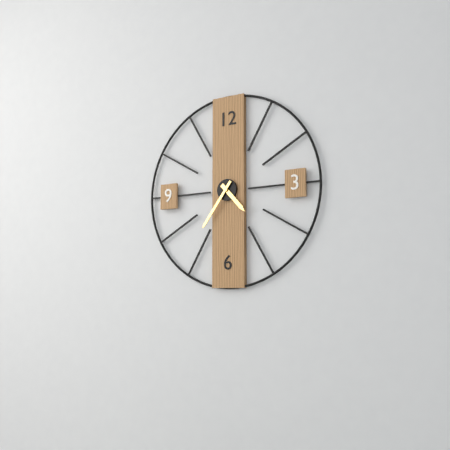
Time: **4:36**
